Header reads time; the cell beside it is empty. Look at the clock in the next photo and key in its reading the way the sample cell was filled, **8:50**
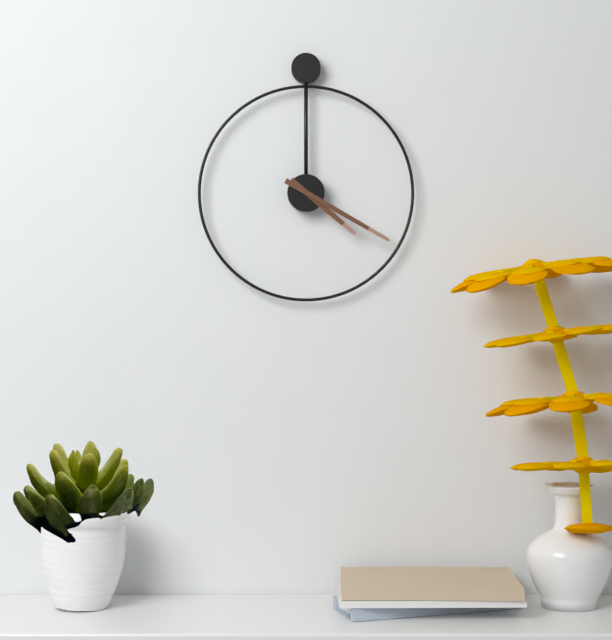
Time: **4:20**
